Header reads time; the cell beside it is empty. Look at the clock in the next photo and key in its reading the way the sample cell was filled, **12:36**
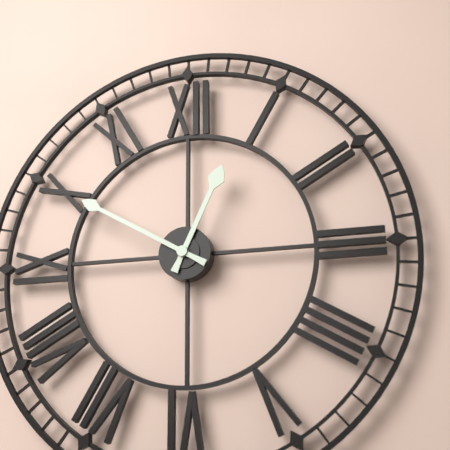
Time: **12:50**
